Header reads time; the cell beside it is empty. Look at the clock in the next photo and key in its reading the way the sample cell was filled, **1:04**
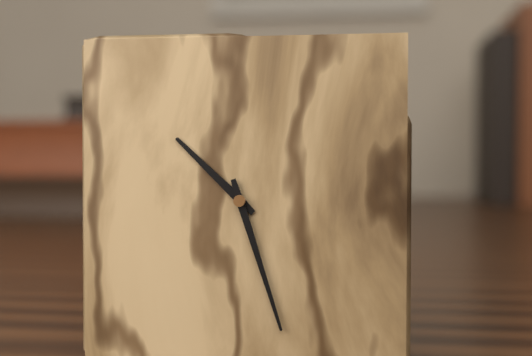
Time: **10:27**
